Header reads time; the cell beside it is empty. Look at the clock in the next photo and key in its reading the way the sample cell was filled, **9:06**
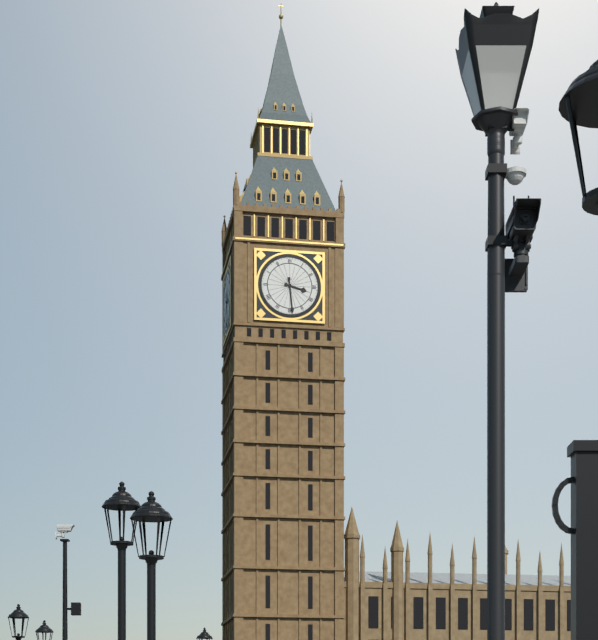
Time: **3:29**
